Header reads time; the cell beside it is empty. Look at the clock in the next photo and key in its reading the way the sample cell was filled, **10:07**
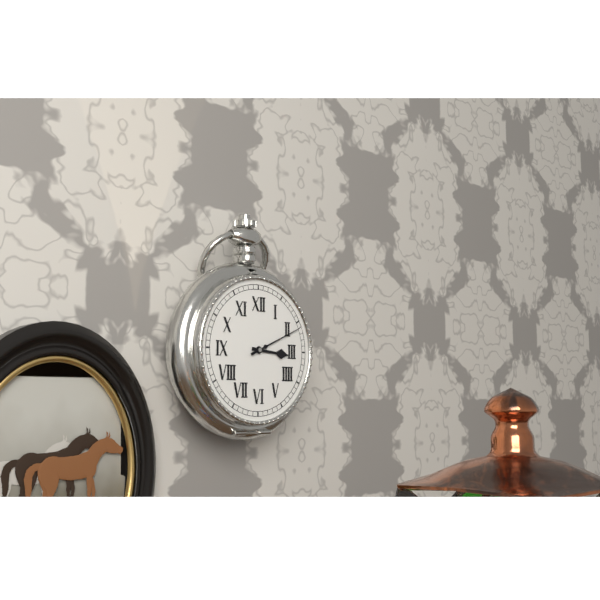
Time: **3:11**
